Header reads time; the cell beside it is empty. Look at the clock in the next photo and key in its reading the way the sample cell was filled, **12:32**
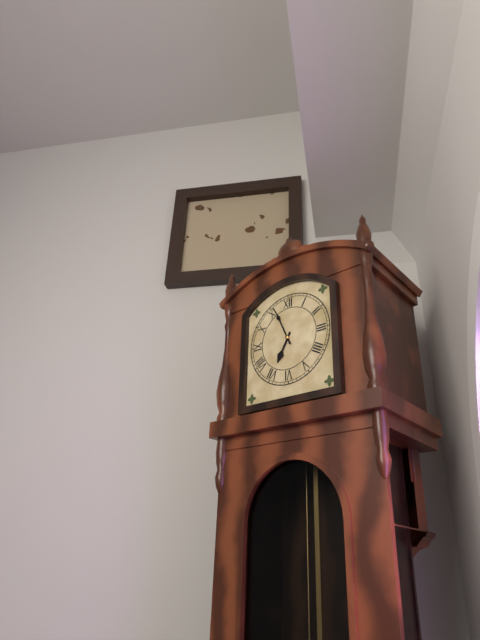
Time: **6:56**
